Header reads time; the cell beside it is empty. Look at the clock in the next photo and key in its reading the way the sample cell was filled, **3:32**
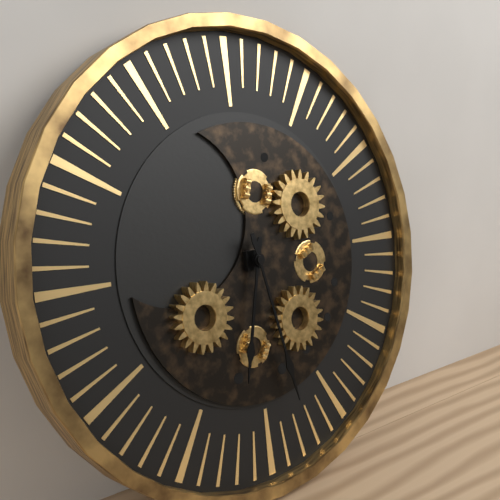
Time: **6:28**
